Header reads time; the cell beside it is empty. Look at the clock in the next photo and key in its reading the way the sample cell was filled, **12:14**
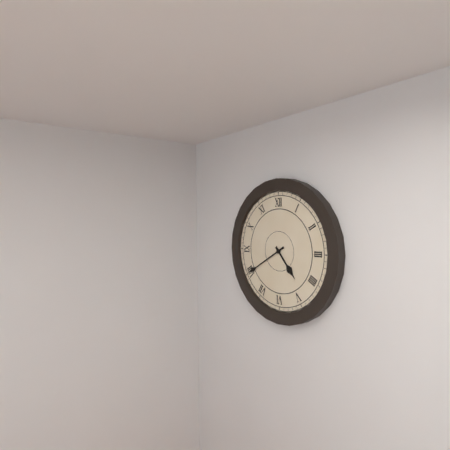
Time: **4:40**
